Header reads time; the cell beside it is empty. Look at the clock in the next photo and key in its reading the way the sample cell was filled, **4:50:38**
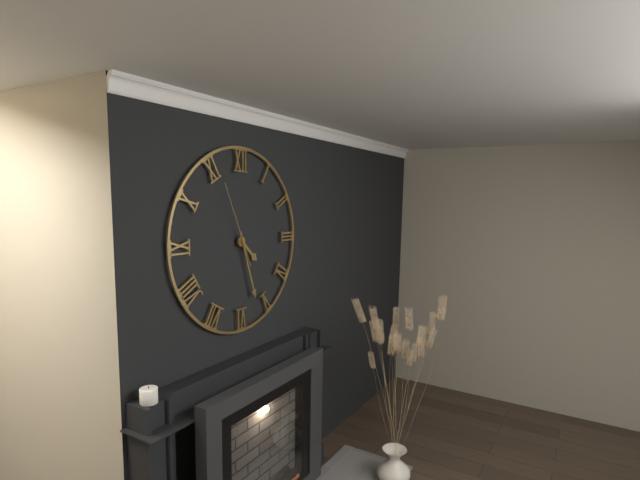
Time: **4:27:56**
